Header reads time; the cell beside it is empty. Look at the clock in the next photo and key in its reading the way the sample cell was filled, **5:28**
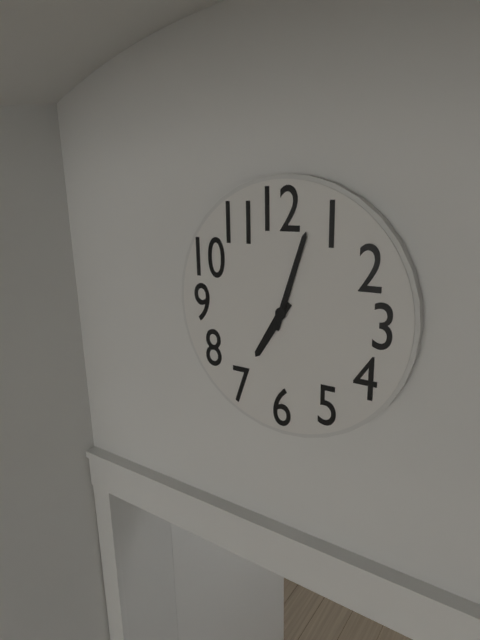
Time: **7:03**
